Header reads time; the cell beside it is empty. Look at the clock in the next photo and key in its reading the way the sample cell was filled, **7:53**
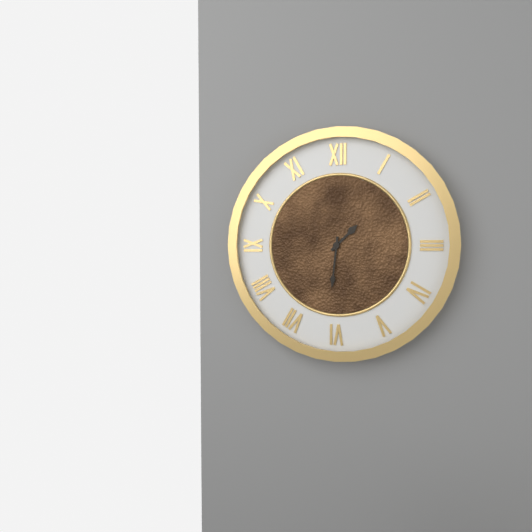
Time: **1:31**
